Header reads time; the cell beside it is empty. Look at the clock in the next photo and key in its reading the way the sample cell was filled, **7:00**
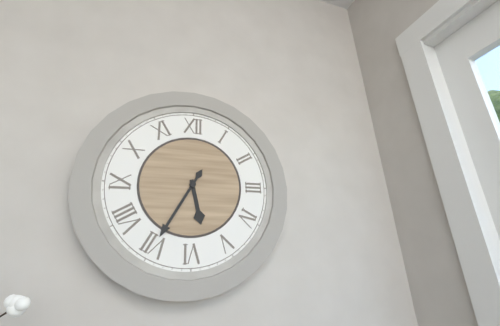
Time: **5:35**
